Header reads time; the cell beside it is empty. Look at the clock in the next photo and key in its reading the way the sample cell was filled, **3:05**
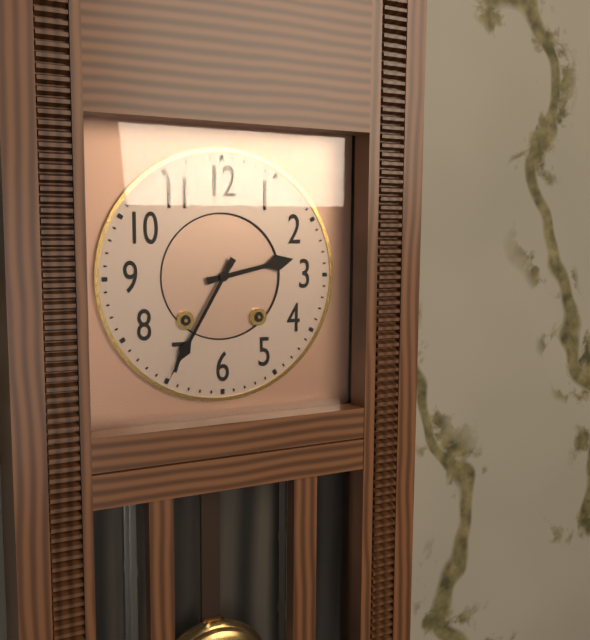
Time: **2:35**
